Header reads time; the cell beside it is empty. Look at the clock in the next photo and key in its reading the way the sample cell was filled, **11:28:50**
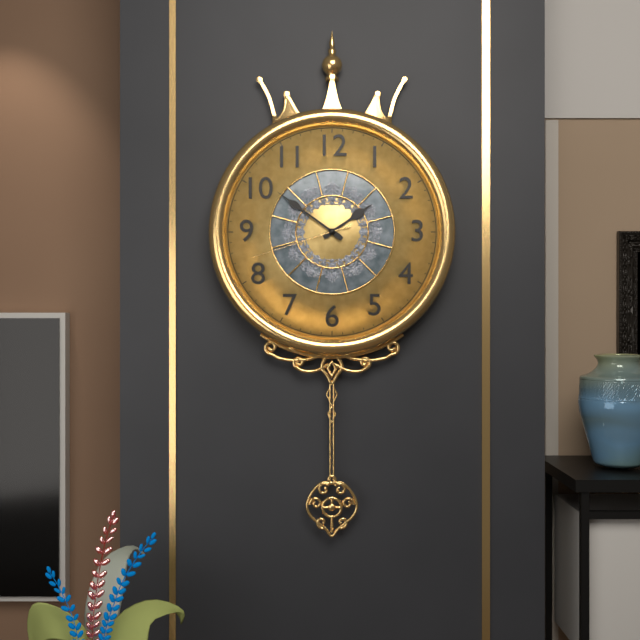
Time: **1:51:42**
